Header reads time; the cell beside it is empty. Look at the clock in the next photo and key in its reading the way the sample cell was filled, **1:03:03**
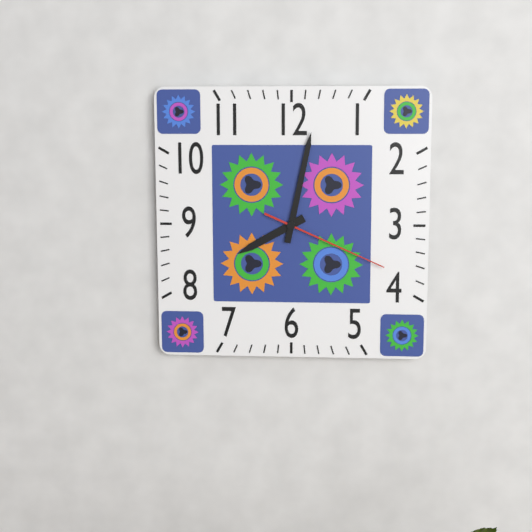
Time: **8:02:19**
